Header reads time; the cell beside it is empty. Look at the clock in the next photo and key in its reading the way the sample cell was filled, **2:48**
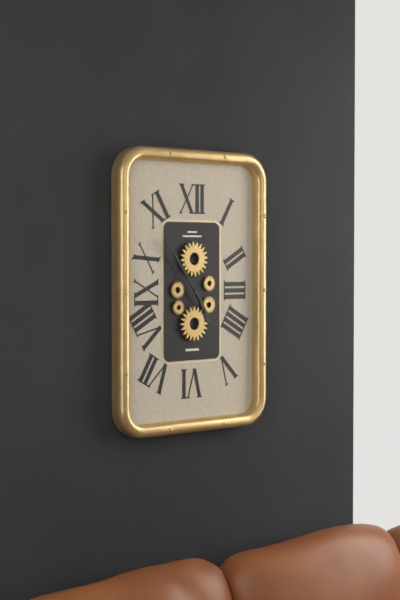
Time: **4:54**
